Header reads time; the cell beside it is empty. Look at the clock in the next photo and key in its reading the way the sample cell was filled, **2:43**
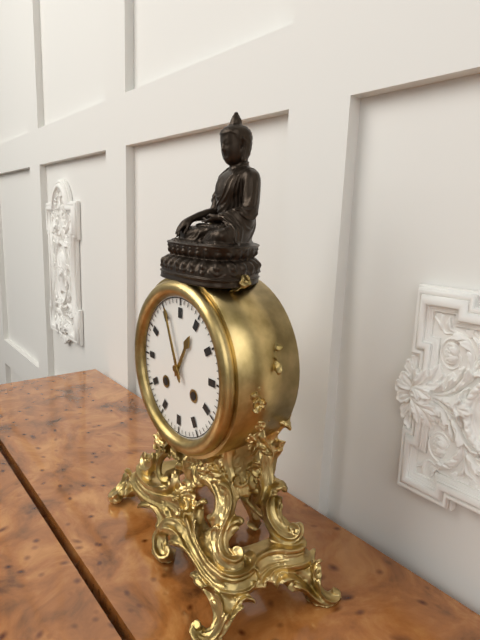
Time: **12:56**
